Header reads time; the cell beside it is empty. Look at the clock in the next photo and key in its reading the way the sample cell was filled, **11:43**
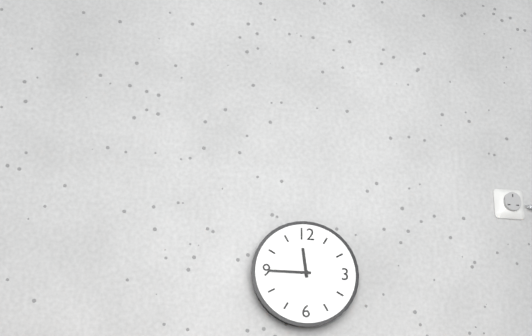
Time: **11:45**
